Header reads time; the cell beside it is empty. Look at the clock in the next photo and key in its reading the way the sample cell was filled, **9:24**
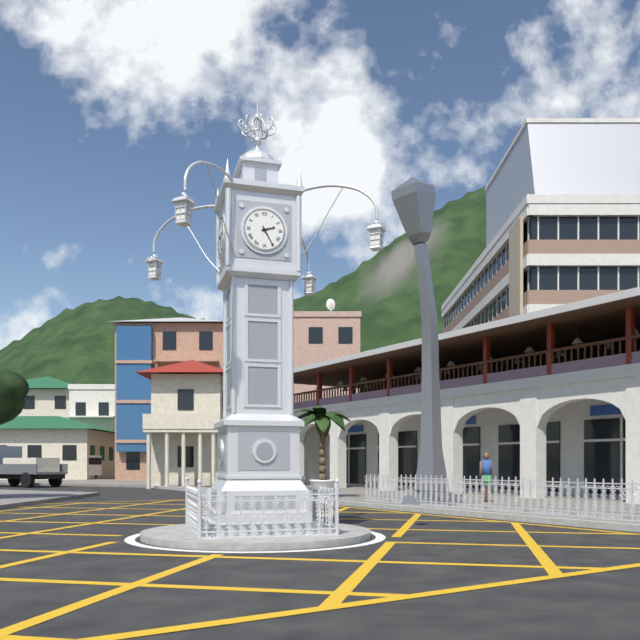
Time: **2:25**
